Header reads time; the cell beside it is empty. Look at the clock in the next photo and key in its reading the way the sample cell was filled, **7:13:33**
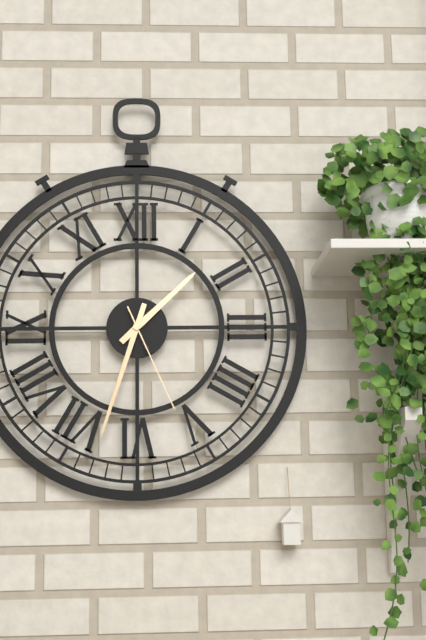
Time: **1:33:26**
